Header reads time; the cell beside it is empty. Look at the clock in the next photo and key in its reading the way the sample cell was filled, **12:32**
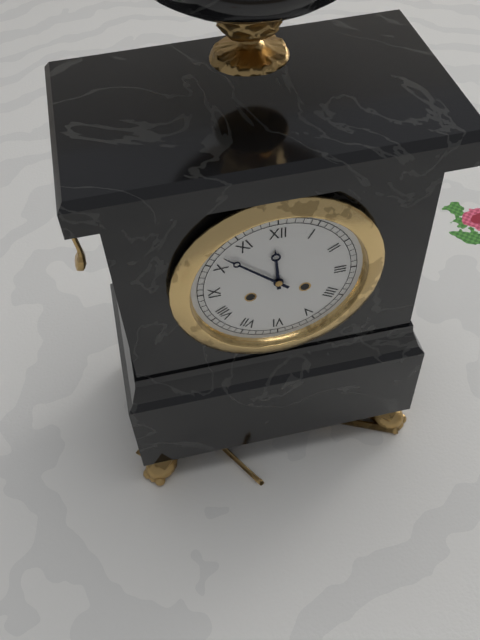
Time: **11:52**
